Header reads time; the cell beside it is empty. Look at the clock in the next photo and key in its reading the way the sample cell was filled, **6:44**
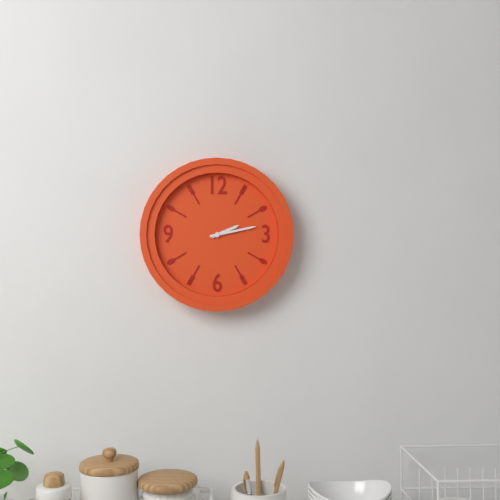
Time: **2:13**
